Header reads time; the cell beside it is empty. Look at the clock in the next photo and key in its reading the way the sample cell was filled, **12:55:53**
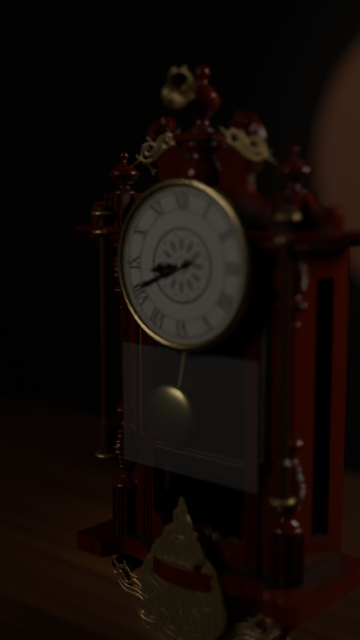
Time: **8:41:41**
